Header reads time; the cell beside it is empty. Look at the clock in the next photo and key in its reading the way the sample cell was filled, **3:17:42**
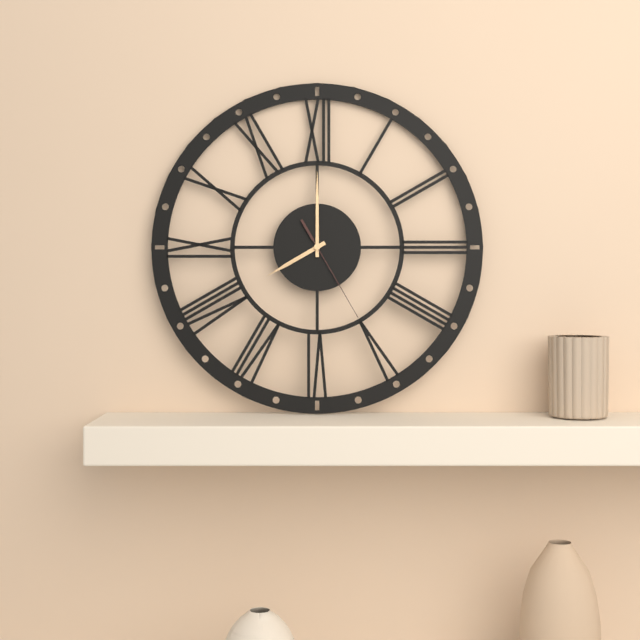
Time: **8:00:25**
